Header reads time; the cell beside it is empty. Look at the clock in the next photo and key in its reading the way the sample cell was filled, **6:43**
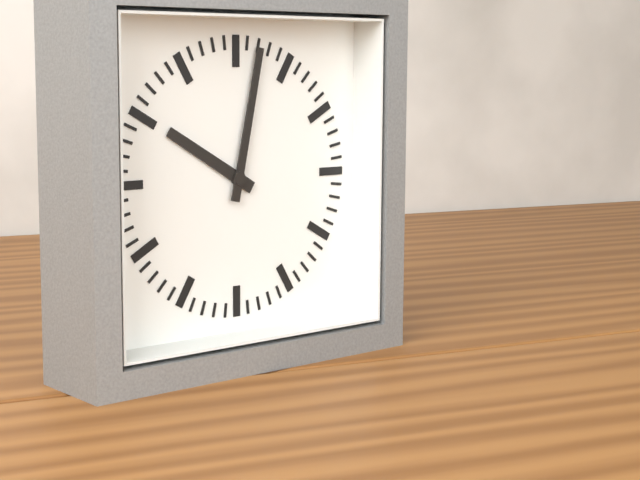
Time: **10:02**
